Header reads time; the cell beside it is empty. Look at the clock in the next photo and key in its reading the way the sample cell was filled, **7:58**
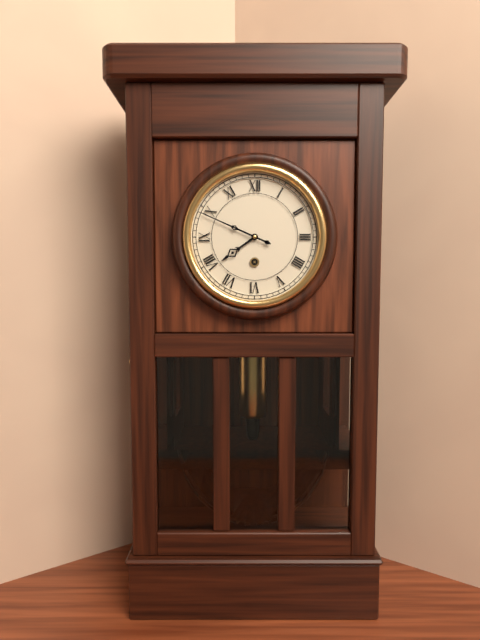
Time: **7:49**
